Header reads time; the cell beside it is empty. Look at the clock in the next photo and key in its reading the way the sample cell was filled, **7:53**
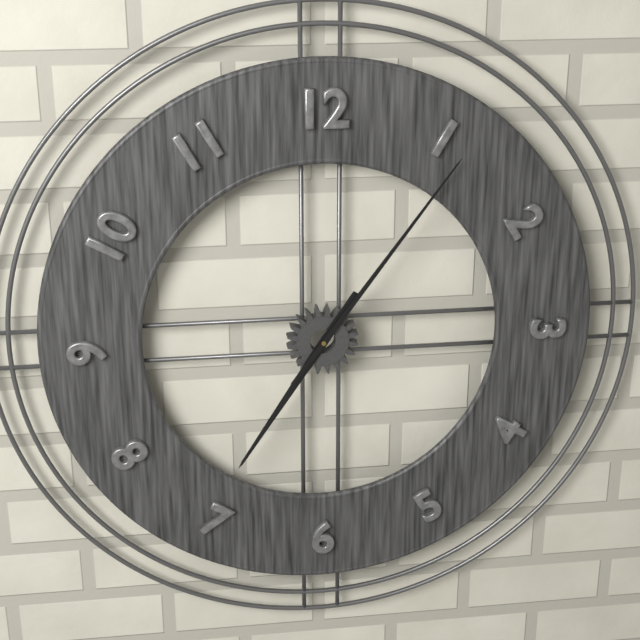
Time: **7:06**
